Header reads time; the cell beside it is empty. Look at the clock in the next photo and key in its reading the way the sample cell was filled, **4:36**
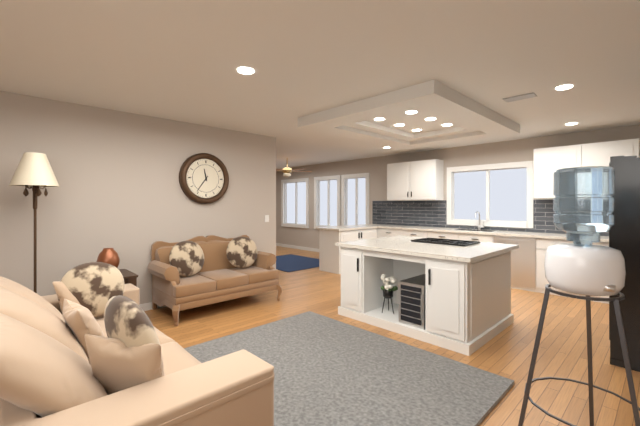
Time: **11:36**
